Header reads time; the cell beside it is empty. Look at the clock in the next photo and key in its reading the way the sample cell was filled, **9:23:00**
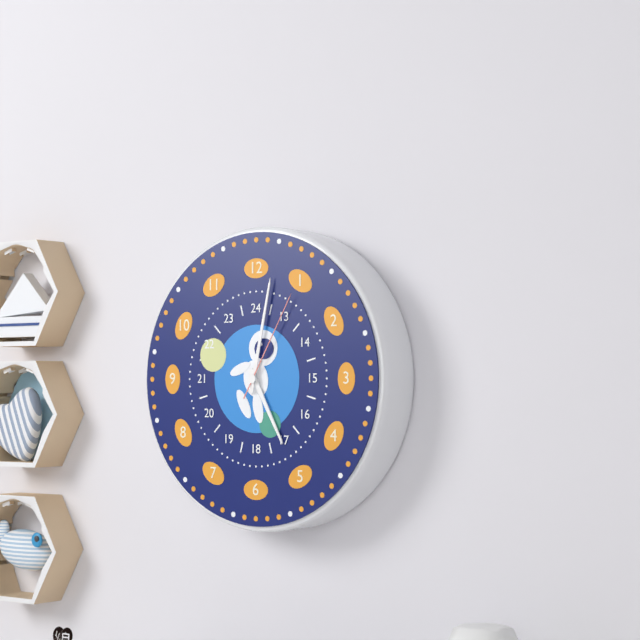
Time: **5:02:05**
